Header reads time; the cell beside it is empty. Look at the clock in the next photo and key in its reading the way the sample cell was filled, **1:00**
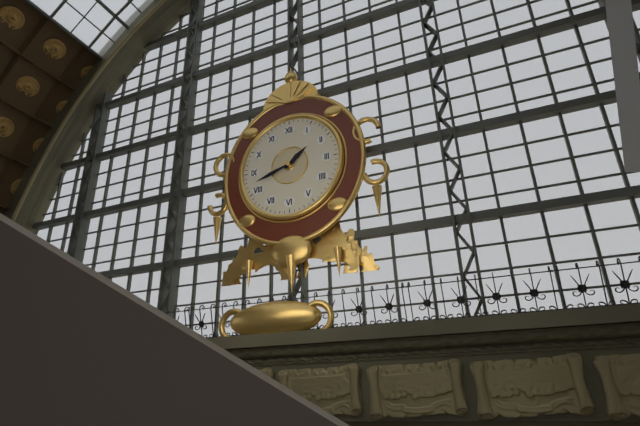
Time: **1:42**
